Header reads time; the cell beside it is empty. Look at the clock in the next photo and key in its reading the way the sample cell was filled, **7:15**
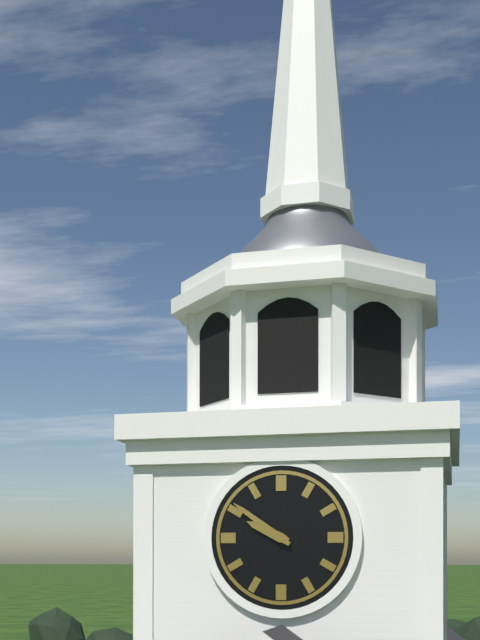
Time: **9:51**
